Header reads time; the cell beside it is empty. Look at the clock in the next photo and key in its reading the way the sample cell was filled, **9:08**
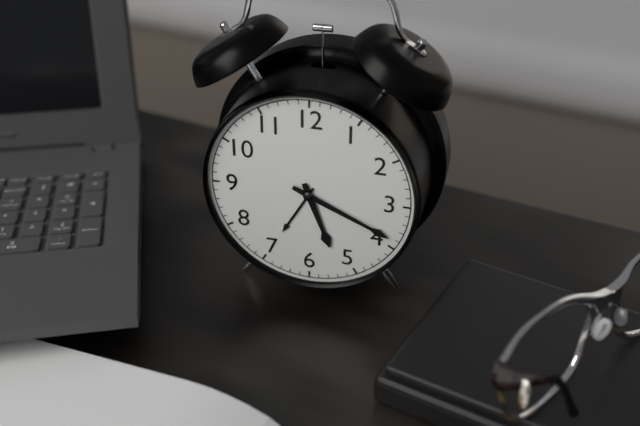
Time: **5:19**
